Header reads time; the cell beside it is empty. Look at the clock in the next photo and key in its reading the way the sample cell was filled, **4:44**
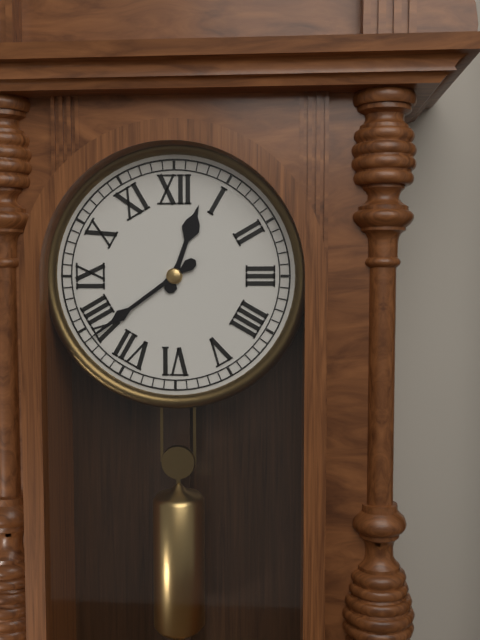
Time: **12:39**
